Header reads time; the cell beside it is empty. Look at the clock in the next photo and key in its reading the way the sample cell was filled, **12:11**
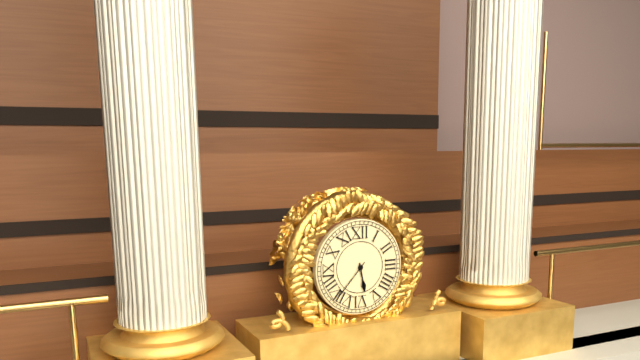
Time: **5:37**
